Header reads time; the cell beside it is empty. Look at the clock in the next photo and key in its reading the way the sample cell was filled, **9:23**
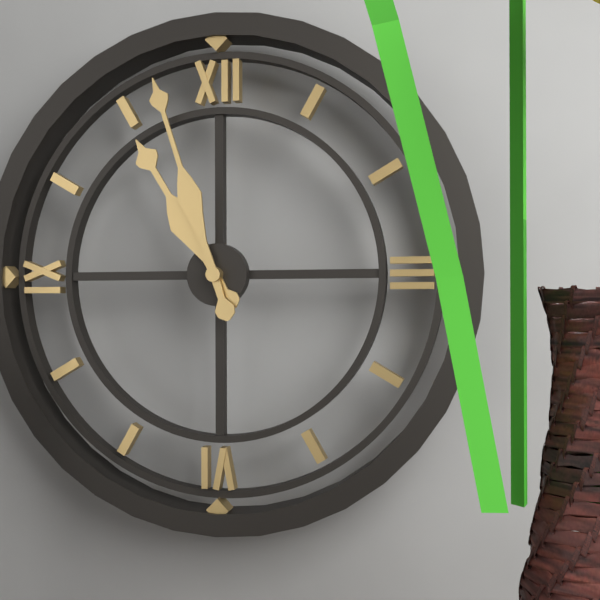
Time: **10:57**
